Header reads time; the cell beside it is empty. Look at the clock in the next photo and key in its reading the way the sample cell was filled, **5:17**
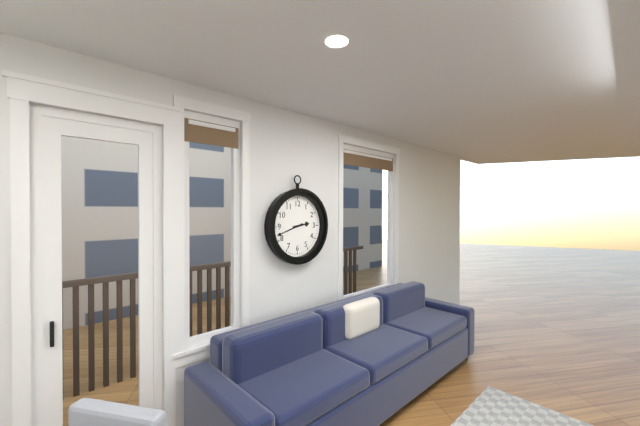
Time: **2:42**
